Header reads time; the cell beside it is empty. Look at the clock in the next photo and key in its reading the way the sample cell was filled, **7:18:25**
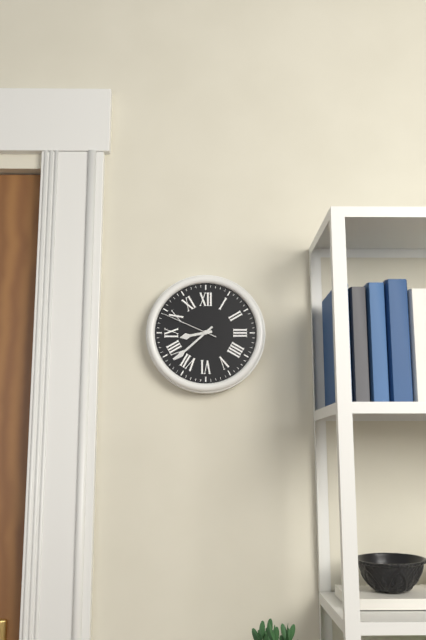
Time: **8:38:49**
